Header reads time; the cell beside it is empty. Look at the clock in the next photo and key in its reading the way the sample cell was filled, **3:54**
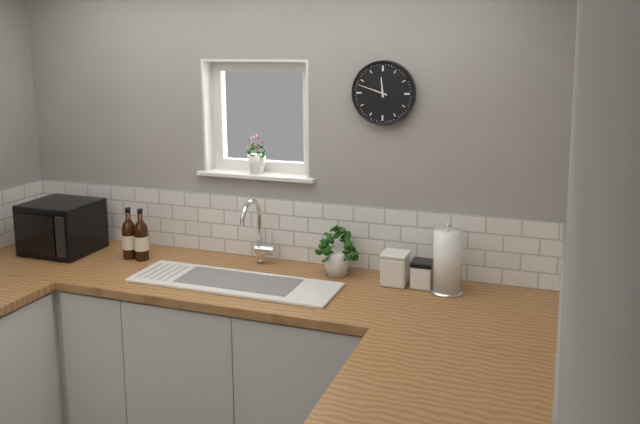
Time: **11:48**
